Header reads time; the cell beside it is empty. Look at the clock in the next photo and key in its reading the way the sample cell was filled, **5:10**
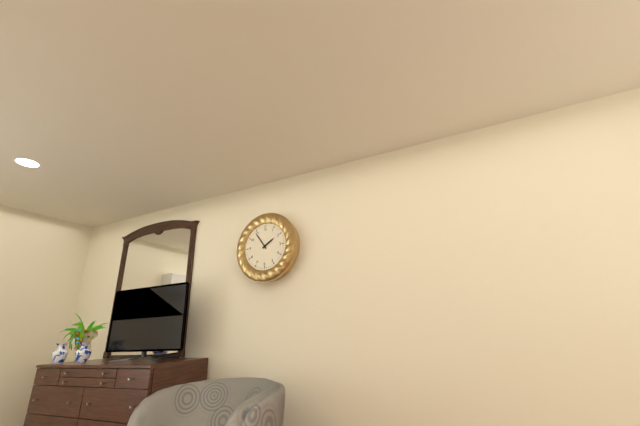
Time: **1:54**
